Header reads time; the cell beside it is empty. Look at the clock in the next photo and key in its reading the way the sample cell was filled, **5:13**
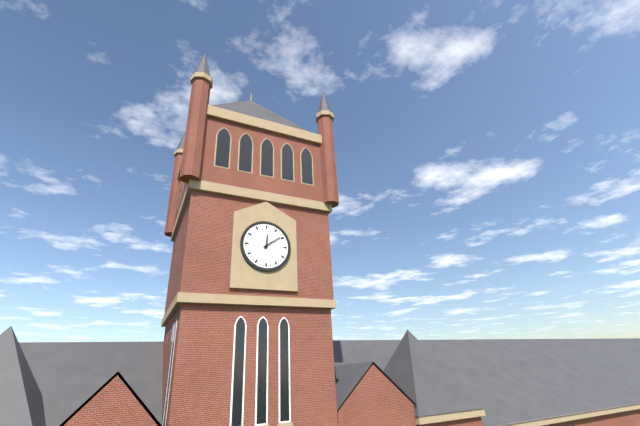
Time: **12:09**
